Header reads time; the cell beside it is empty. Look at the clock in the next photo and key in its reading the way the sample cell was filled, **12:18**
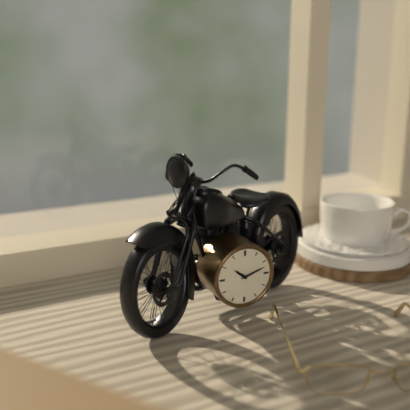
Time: **10:12**
